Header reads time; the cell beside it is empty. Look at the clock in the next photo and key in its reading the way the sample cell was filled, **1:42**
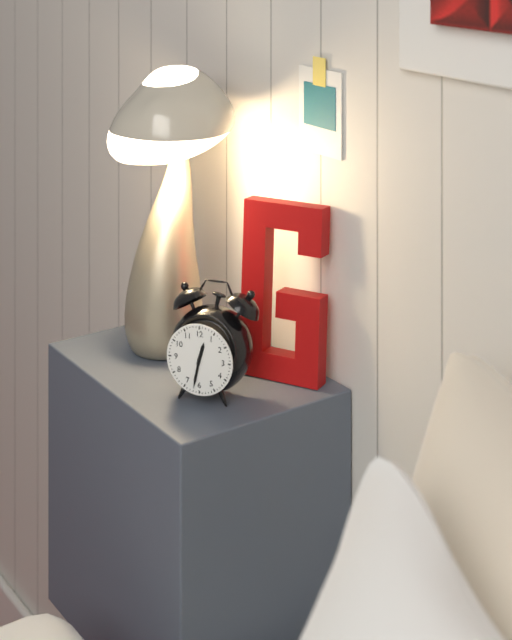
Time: **12:32**
